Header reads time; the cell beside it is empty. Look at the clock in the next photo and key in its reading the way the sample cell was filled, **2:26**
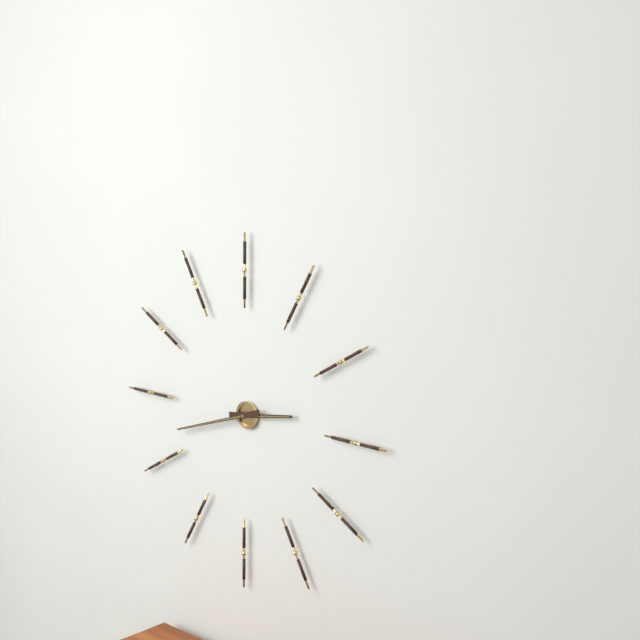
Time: **2:42**
